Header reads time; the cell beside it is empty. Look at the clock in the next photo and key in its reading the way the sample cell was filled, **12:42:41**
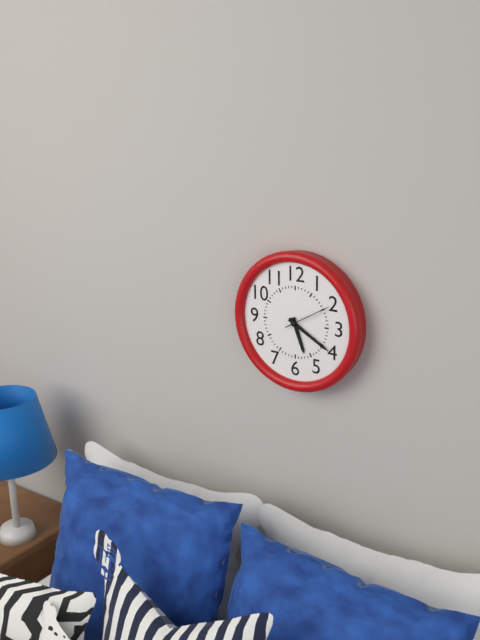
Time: **5:20:10**
